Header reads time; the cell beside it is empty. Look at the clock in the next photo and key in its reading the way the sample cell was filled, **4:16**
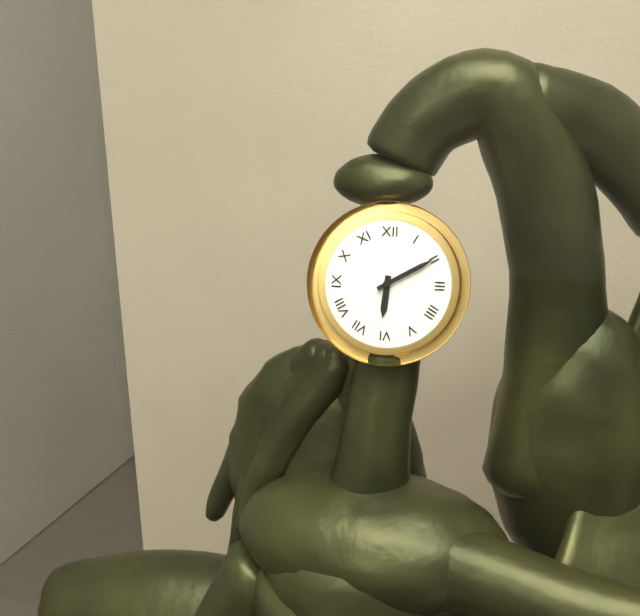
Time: **6:10**
